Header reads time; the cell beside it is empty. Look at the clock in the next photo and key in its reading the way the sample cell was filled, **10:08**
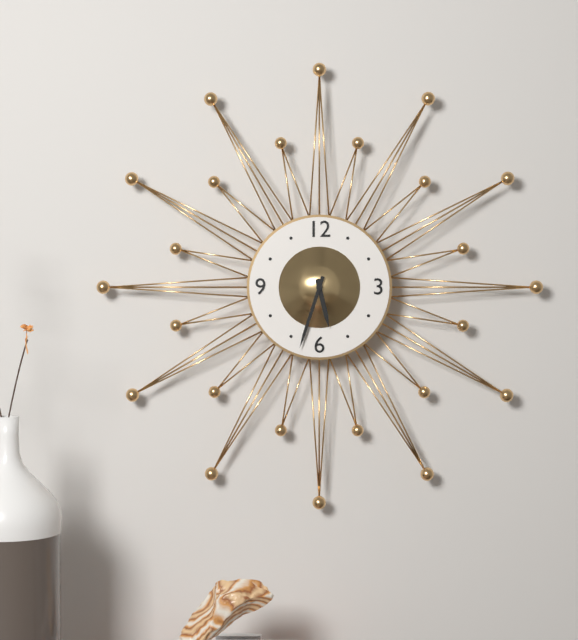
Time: **5:33**
